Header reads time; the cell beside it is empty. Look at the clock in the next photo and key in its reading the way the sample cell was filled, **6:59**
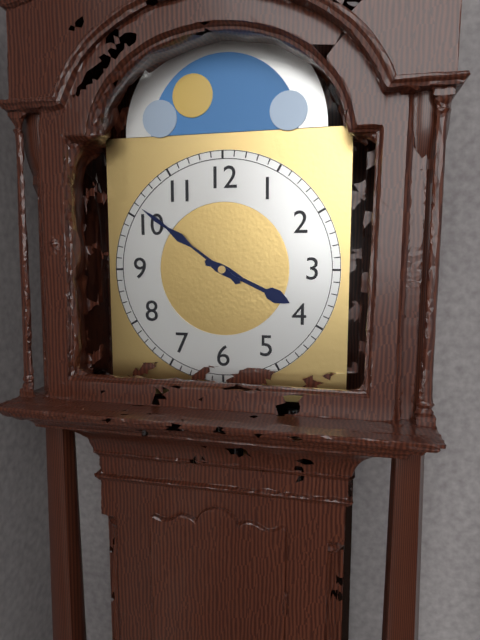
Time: **3:51**
